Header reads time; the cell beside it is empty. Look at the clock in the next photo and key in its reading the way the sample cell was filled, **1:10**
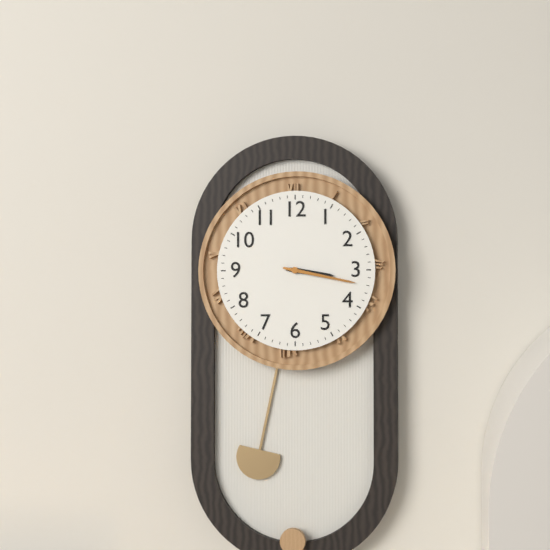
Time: **3:17**
